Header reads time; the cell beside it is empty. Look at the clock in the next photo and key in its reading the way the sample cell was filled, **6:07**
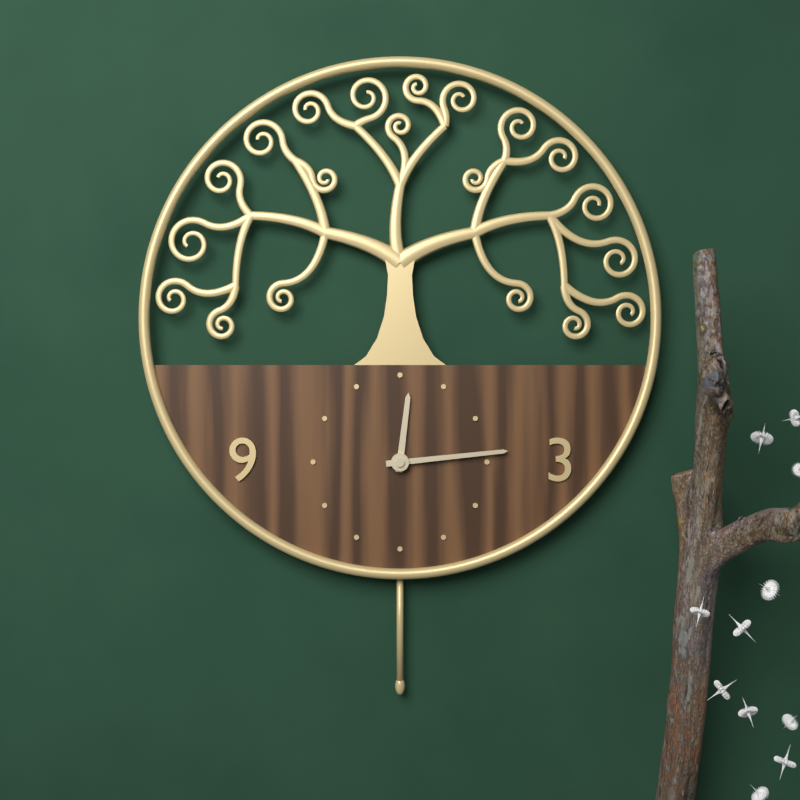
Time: **12:14**
